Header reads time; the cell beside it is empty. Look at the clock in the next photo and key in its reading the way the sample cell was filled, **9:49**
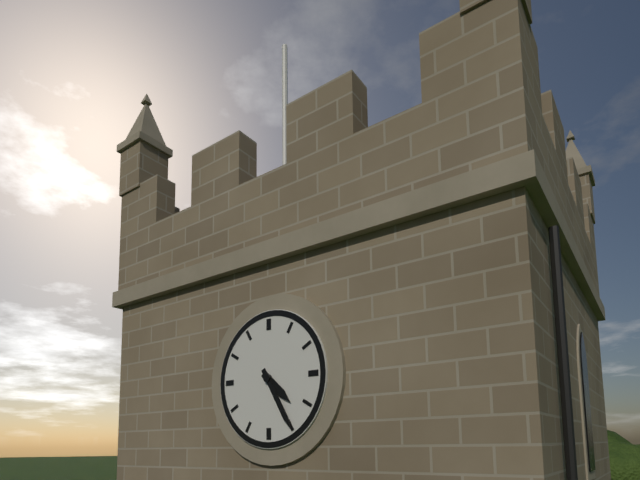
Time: **4:25**
